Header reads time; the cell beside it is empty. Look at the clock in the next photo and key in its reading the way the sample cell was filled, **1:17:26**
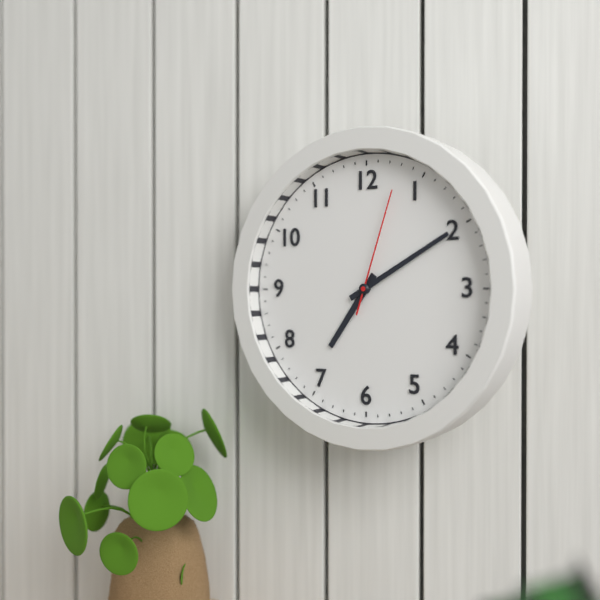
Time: **7:10:03**
